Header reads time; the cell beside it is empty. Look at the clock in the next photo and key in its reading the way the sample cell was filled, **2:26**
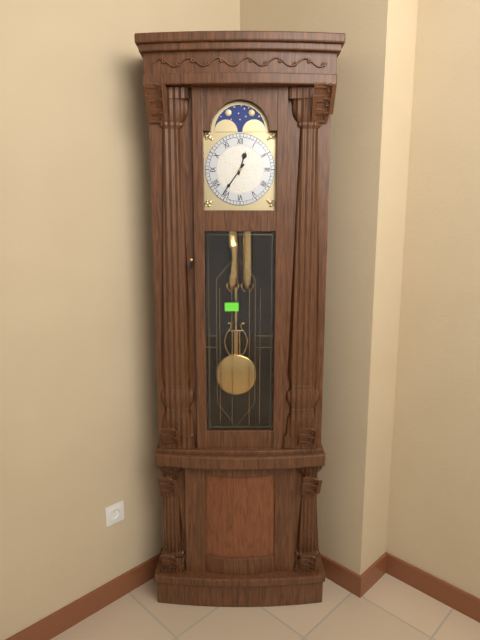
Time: **12:36**
